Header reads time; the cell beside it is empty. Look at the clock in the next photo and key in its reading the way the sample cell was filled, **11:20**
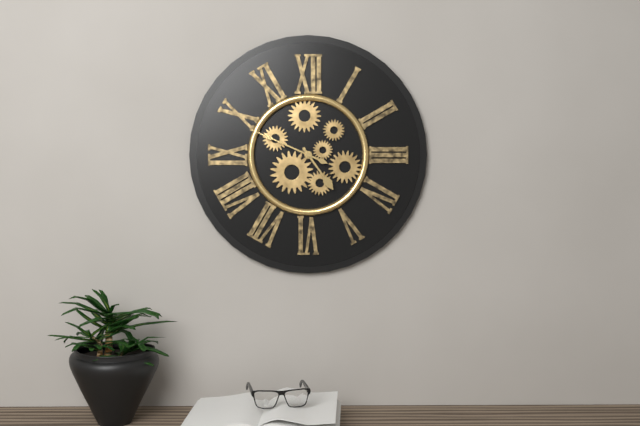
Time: **4:49**
